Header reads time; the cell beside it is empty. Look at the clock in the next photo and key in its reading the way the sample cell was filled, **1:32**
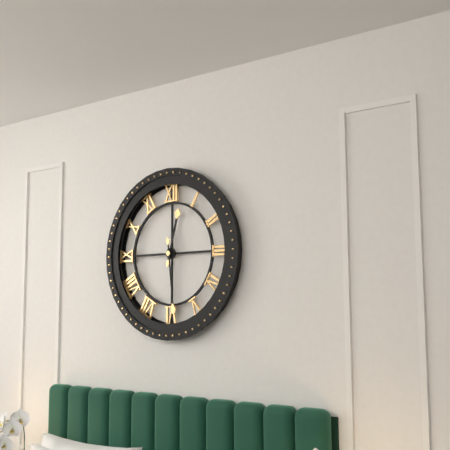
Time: **12:29**
